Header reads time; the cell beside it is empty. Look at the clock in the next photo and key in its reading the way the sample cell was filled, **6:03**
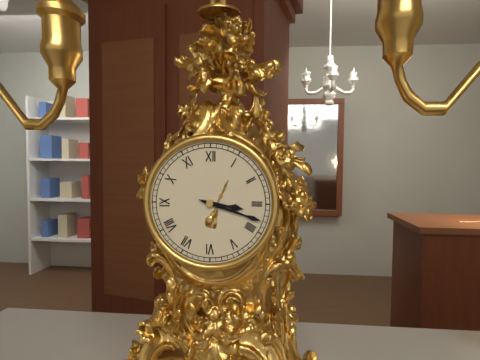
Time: **3:18**
